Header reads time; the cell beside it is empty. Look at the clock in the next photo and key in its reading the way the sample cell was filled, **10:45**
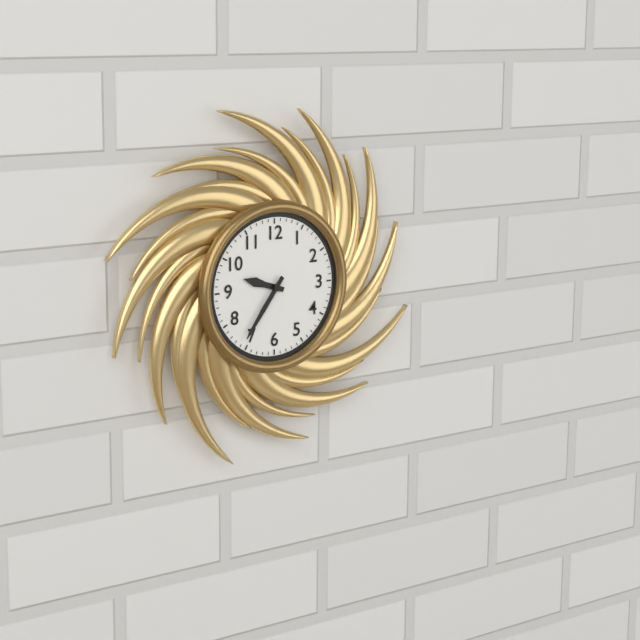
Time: **9:36**
